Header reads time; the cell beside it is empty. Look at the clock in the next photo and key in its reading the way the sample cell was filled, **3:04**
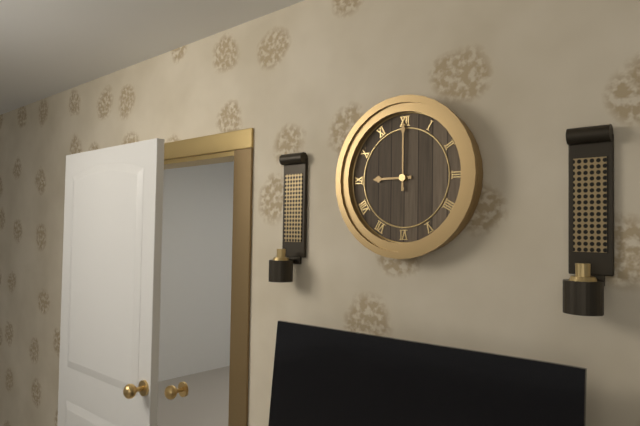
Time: **9:00**
